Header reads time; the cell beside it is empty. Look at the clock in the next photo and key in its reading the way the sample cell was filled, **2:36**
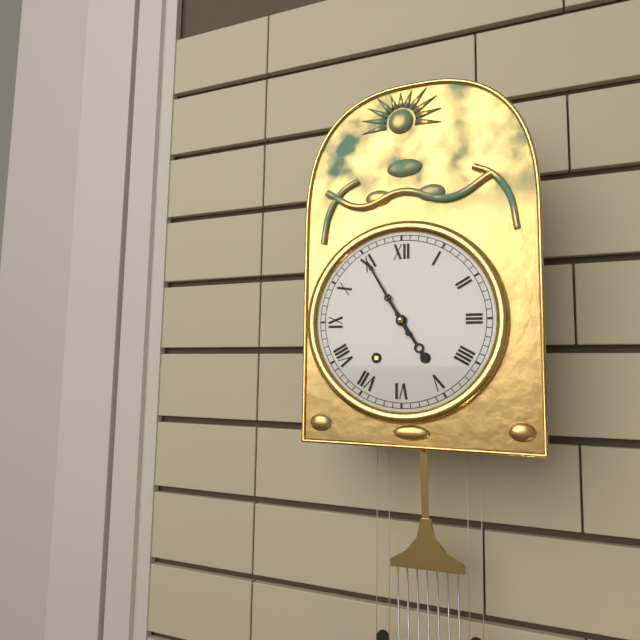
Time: **4:55**
